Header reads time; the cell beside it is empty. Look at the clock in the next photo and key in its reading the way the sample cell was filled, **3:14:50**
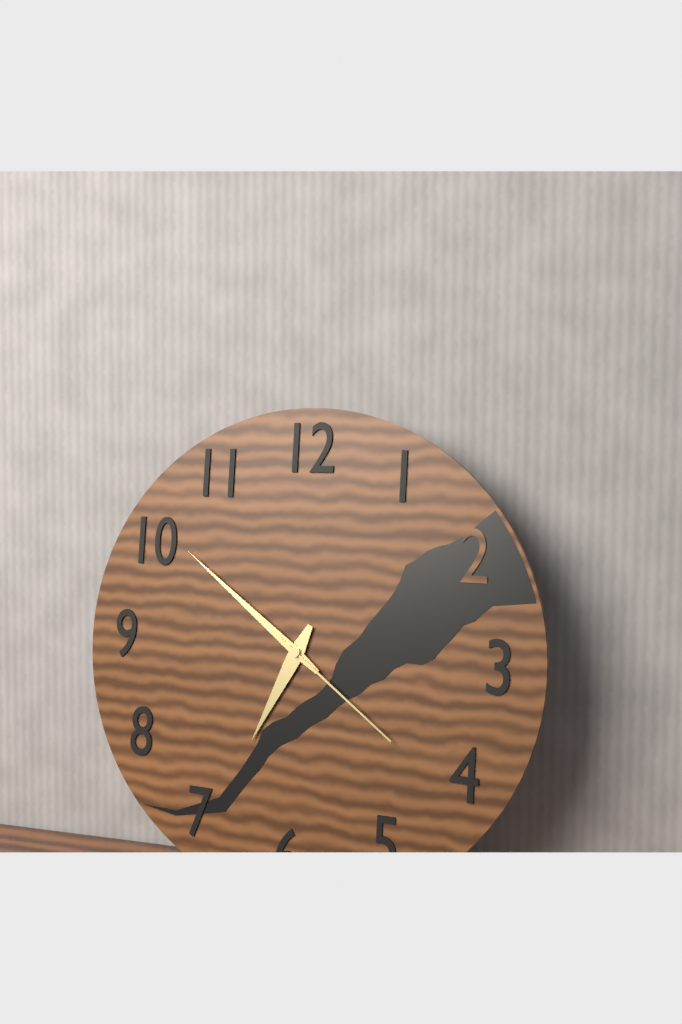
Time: **6:51:21**
